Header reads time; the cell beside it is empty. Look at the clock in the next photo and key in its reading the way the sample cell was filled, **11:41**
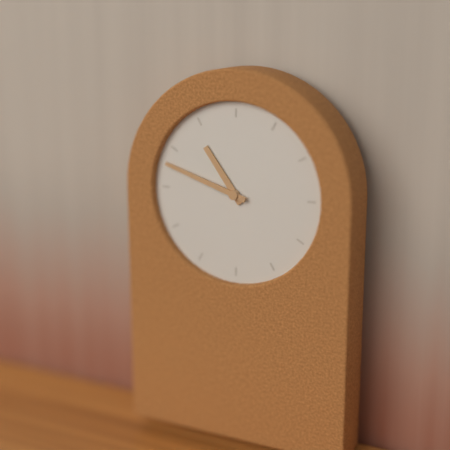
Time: **10:48**
